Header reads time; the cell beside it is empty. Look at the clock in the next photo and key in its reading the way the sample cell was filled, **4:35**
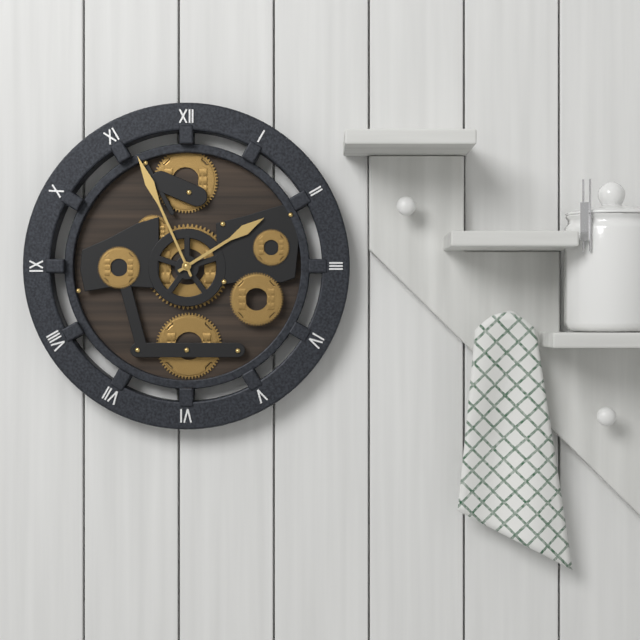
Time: **1:56**
